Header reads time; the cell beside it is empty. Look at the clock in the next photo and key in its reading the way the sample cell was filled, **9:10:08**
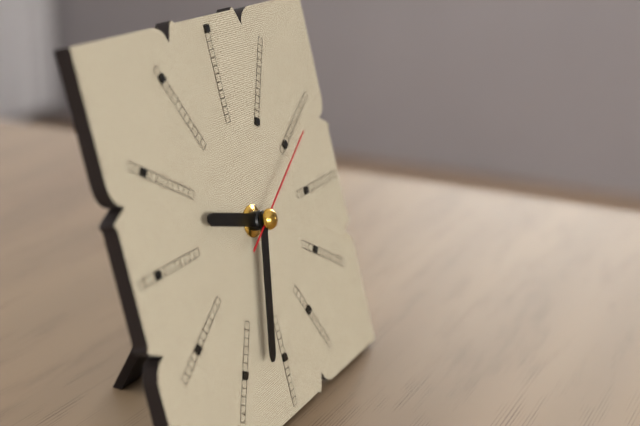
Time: **9:33:10**
